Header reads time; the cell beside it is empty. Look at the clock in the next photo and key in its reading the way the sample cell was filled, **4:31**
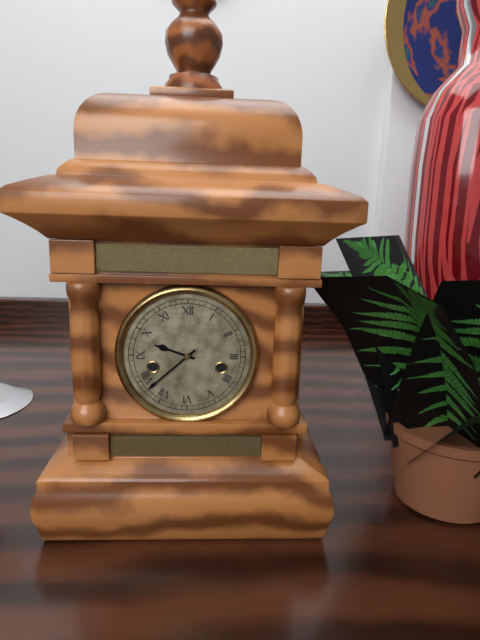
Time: **9:38**
